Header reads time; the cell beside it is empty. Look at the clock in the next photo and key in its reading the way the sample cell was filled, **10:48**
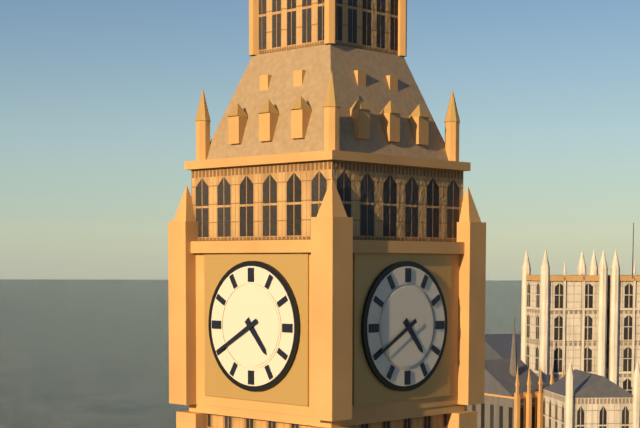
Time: **4:40**
